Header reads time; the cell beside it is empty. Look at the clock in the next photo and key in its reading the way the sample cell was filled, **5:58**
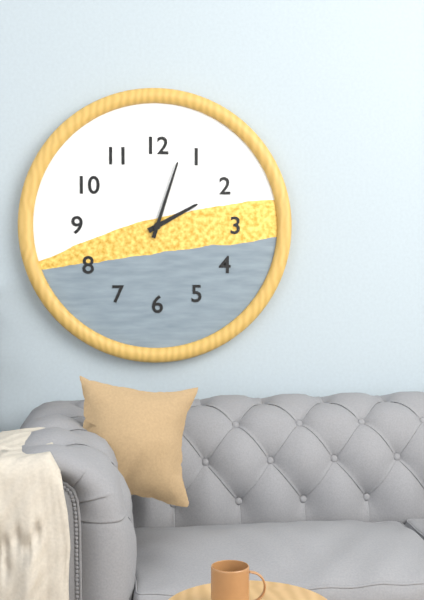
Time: **2:03**
